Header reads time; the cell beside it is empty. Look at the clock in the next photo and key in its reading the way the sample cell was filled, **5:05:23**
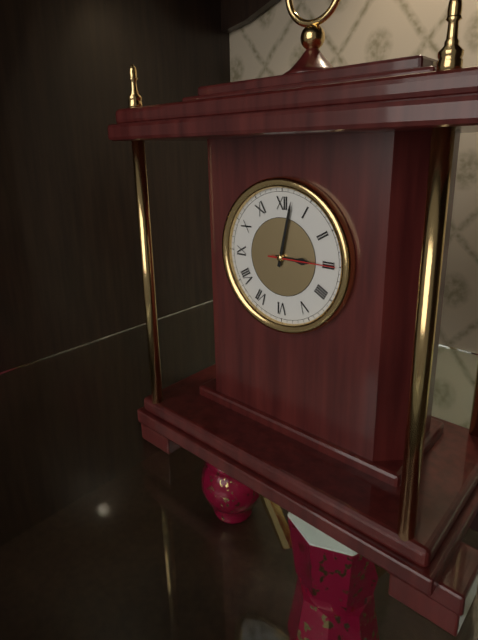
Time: **3:02:15**
